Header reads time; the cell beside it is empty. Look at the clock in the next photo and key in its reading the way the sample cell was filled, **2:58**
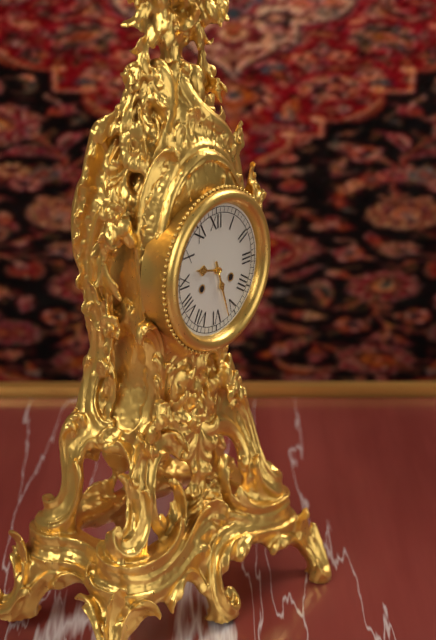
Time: **9:27**
